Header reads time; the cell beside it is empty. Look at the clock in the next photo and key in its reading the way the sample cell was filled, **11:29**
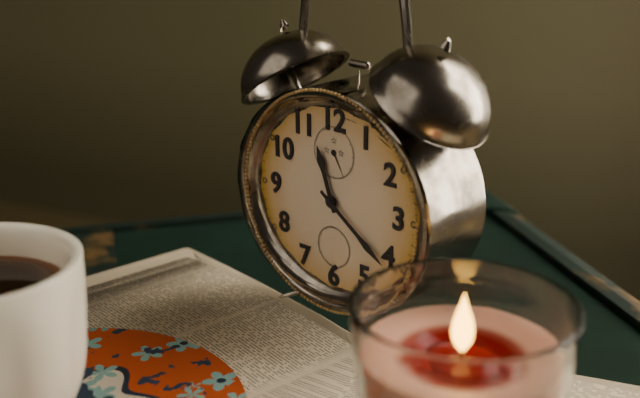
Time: **11:21**
